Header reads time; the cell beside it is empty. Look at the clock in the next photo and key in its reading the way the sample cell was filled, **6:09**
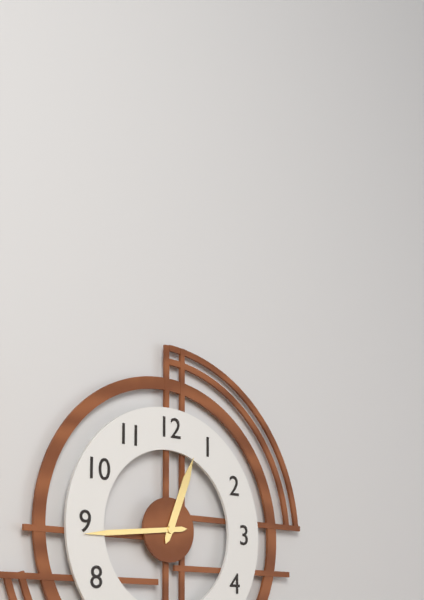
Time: **12:44**
